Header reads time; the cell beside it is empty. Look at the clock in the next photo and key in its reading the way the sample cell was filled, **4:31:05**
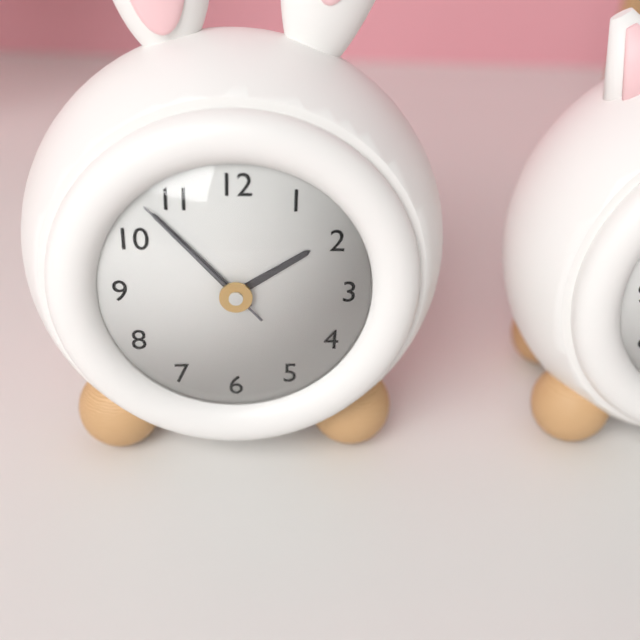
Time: **1:53:53**
